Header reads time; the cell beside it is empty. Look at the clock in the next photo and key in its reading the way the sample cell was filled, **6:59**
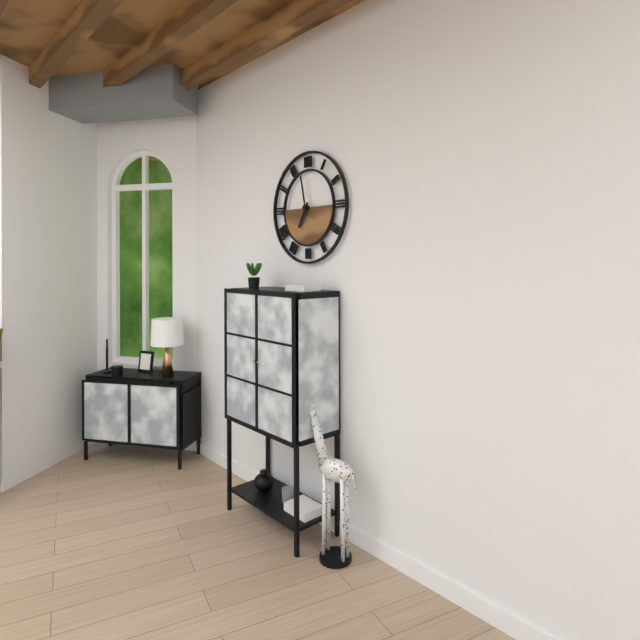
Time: **6:58**
